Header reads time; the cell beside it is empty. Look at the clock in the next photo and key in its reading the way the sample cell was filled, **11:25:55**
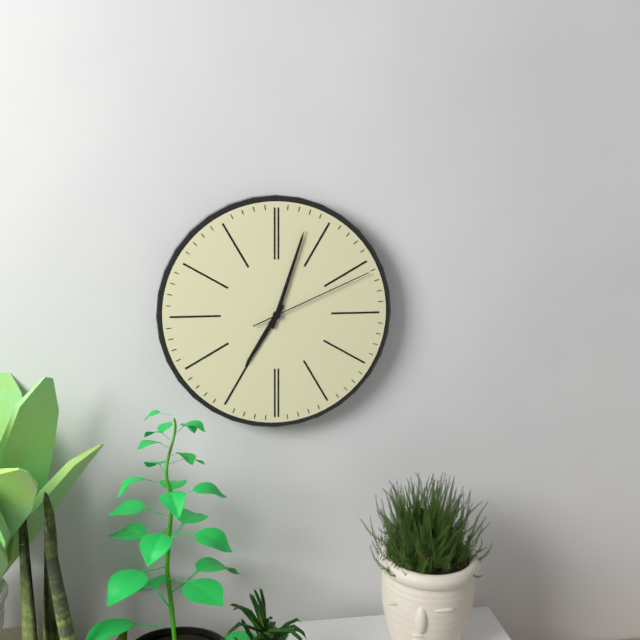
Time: **7:03:11**
